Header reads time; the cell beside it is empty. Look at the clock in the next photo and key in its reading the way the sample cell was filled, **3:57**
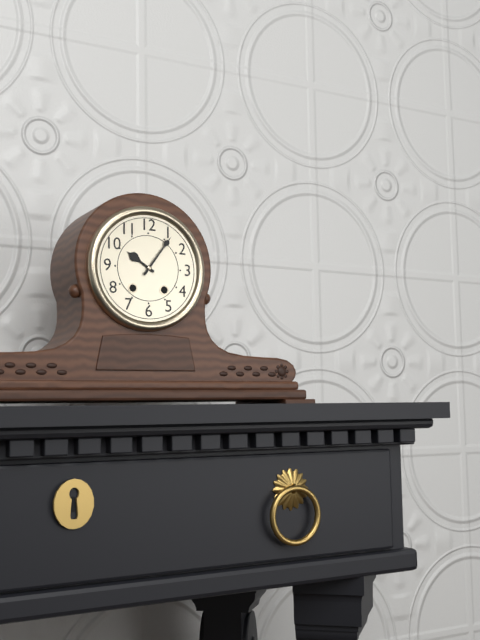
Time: **10:06**
